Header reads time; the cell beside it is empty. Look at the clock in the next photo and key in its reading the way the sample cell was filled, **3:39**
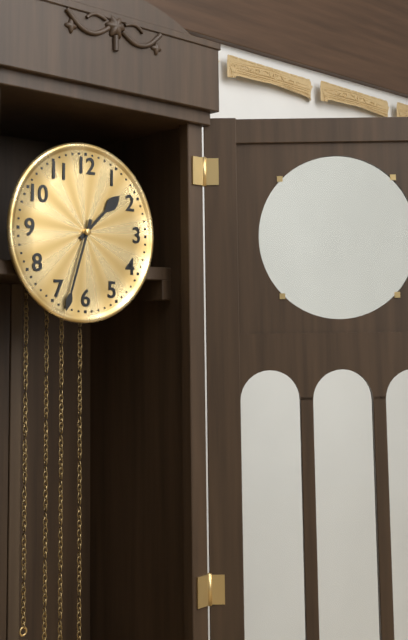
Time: **1:33**
